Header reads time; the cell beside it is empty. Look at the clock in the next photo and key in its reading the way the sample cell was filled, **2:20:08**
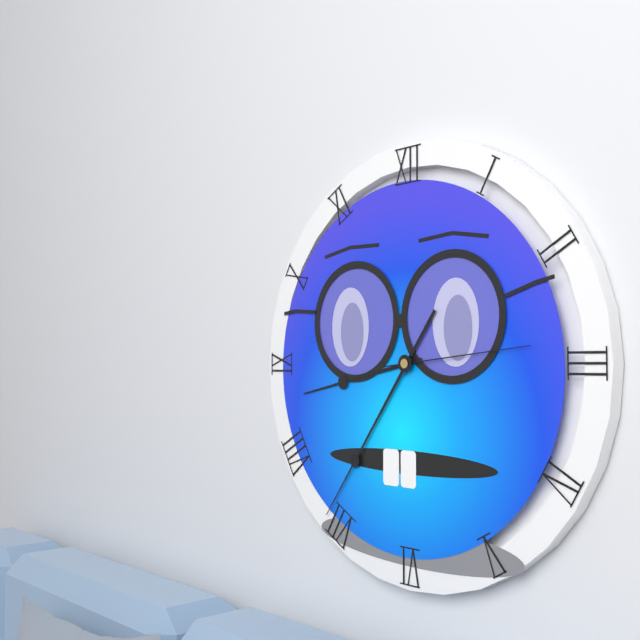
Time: **8:36:14**
